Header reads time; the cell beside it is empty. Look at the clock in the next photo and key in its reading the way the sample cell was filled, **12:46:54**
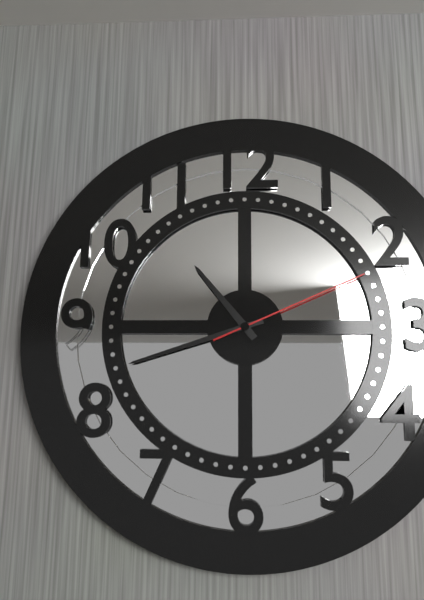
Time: **10:42:11**
